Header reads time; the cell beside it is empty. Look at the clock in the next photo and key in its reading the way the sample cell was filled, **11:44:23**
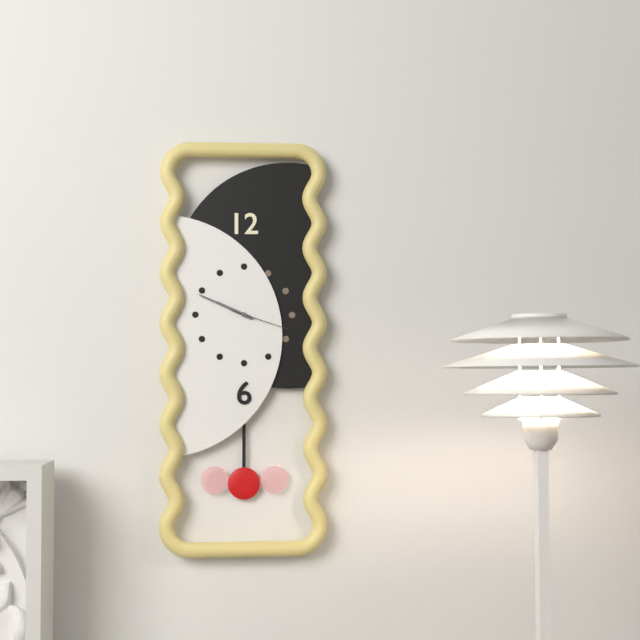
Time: **9:49:18**
